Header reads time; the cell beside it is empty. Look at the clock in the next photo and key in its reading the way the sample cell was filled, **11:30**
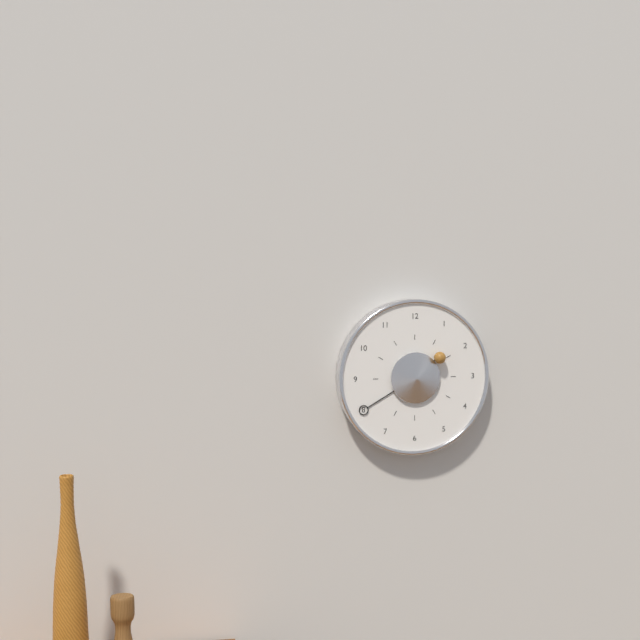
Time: **1:40**
